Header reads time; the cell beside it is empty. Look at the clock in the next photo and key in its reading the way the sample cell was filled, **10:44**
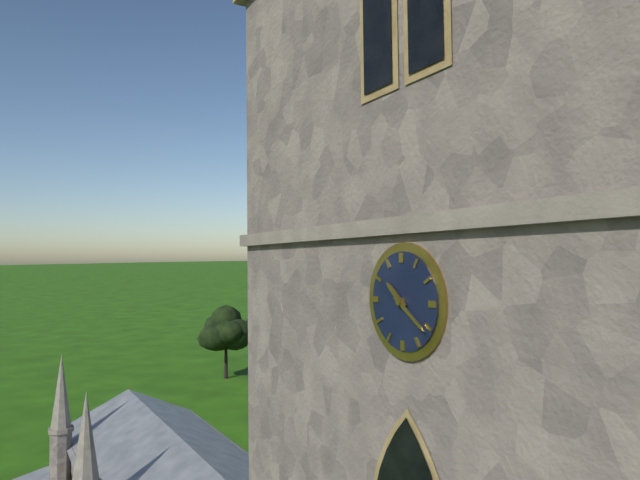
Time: **10:21**
